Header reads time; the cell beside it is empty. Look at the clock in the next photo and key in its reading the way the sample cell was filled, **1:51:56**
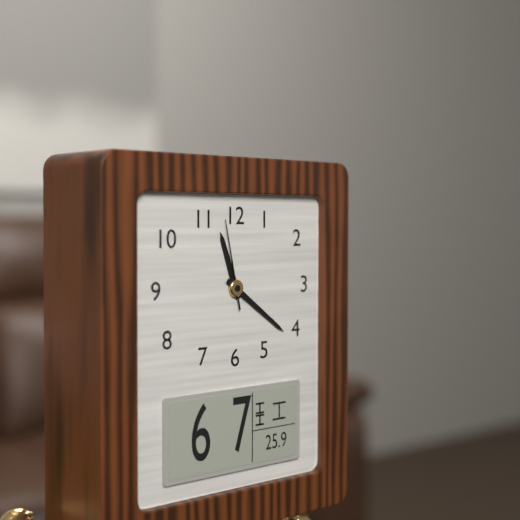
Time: **11:21:58**
